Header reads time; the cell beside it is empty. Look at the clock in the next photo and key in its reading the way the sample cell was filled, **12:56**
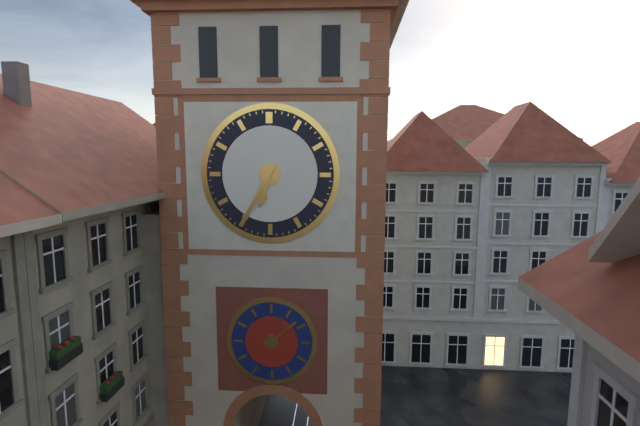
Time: **6:35**
